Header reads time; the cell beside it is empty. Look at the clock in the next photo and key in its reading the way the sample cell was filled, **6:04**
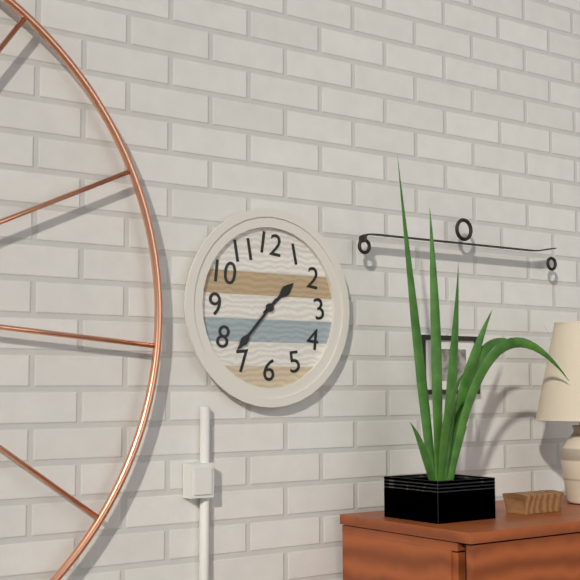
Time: **1:37**
